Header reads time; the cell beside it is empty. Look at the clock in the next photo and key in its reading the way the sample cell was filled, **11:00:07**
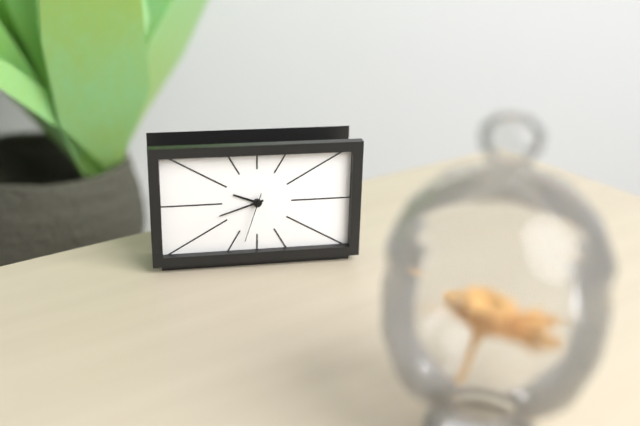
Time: **9:42:33**
